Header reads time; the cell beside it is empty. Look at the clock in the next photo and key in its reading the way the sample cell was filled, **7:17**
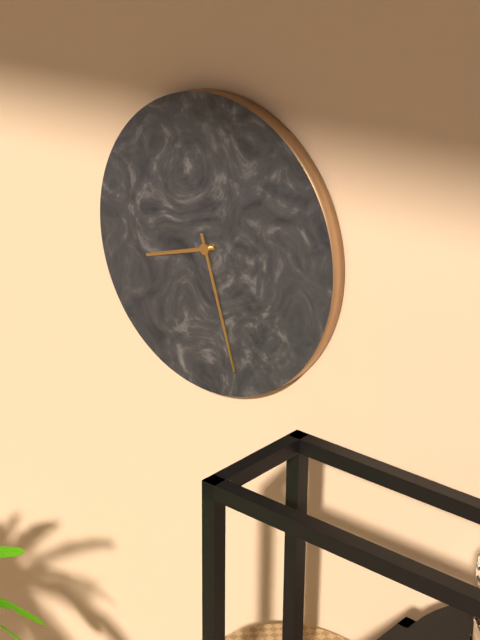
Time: **8:27**
